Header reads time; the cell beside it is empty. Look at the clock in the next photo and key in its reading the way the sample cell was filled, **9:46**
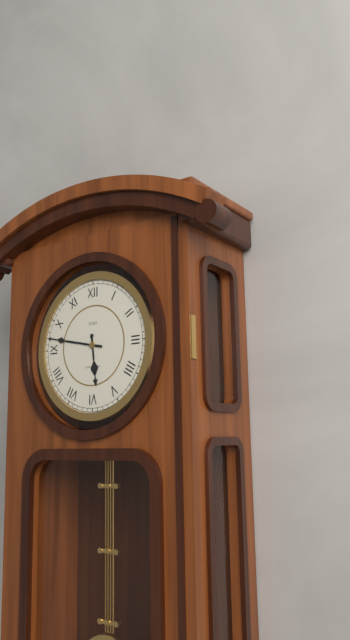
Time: **5:47**
